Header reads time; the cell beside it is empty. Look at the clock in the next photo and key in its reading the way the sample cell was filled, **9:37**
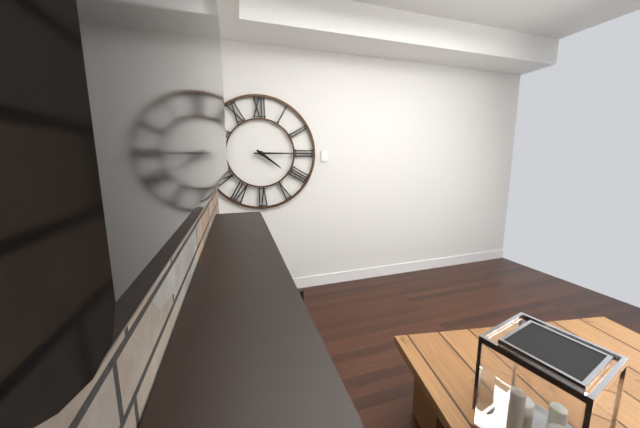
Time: **4:15**
